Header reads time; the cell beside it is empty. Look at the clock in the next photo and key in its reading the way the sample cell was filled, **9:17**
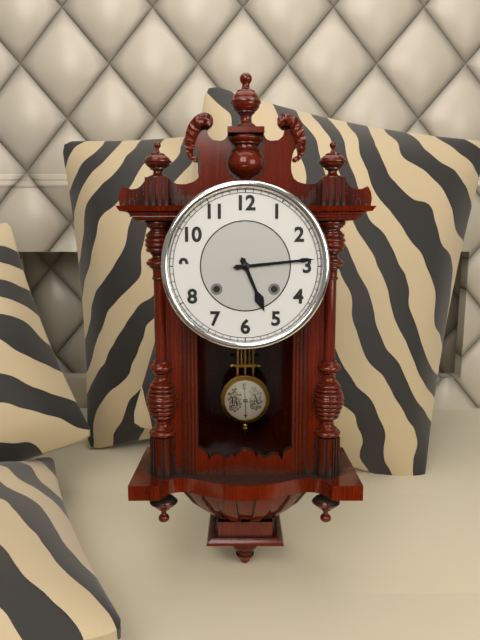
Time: **5:14**
